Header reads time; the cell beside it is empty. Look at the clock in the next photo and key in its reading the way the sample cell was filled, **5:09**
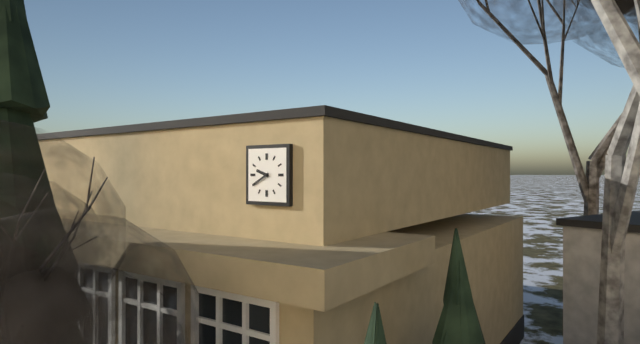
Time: **9:40**
